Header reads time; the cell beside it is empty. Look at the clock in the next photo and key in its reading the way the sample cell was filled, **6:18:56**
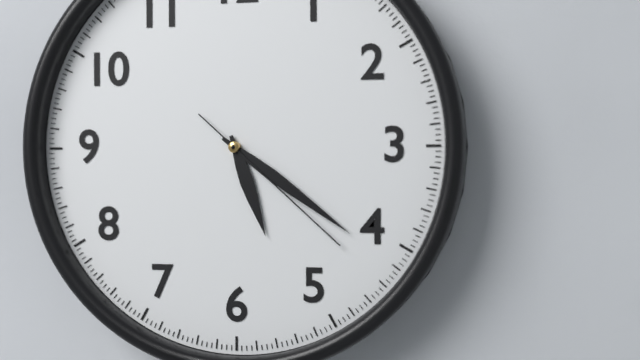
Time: **5:21:22**
